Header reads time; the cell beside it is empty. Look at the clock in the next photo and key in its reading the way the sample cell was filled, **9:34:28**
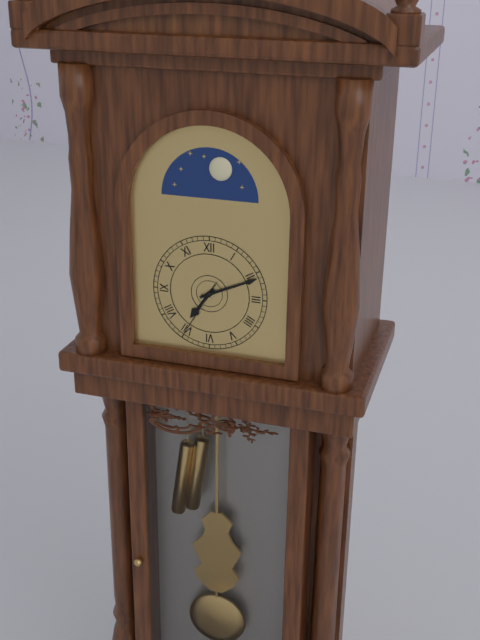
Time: **7:11:35**
